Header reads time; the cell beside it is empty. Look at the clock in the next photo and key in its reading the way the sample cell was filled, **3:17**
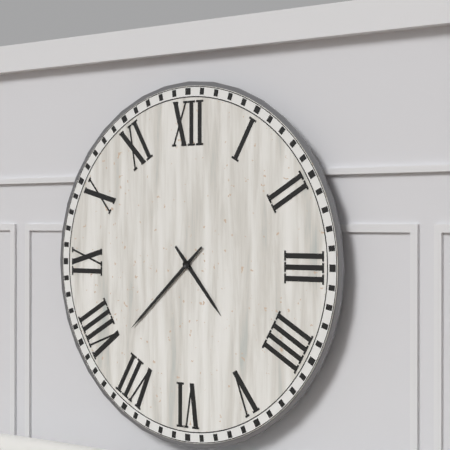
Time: **4:38**
